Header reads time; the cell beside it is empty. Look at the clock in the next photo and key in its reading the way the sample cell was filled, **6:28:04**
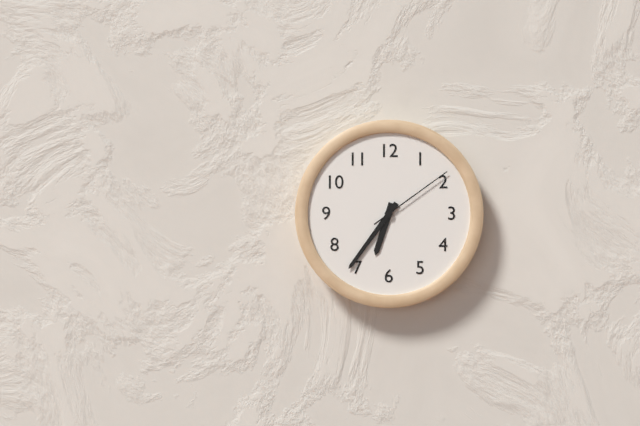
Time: **6:36:09**
